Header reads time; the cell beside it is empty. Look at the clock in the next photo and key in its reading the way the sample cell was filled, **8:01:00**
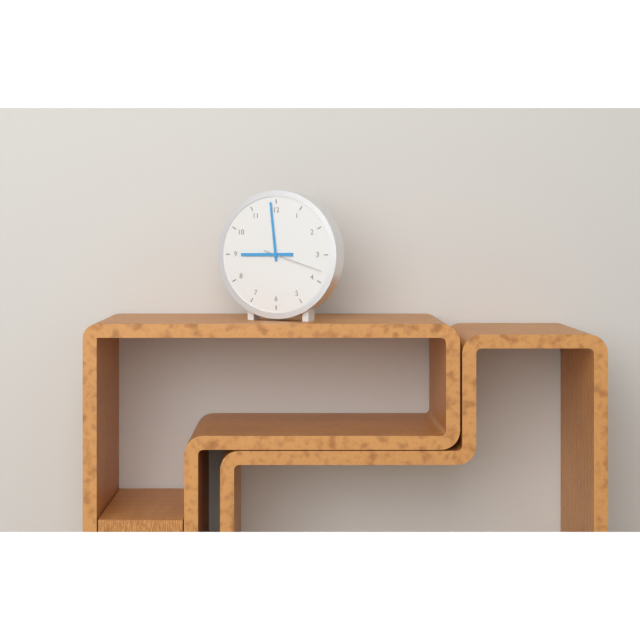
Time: **8:59:18**
